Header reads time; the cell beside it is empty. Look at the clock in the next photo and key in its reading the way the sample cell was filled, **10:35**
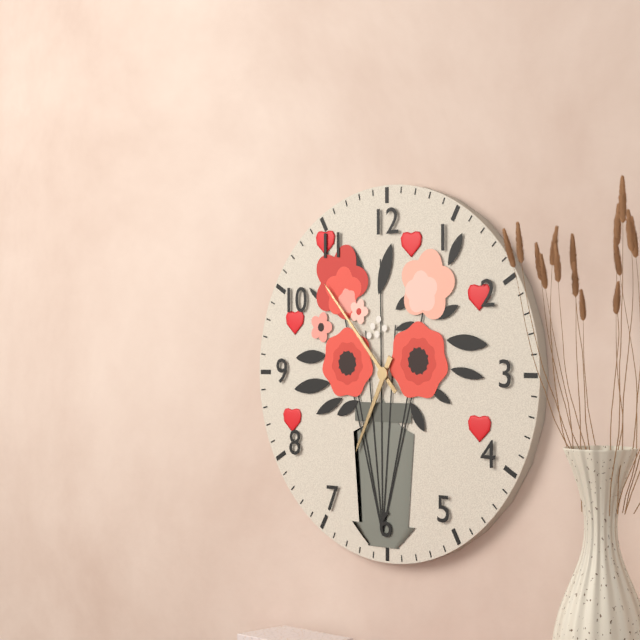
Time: **6:53**
